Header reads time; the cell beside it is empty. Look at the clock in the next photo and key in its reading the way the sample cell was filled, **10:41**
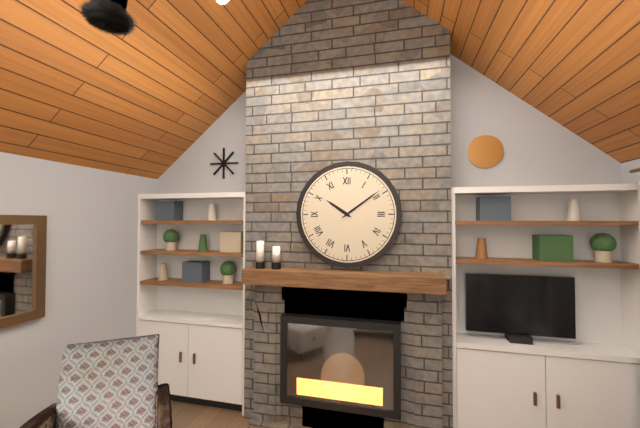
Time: **10:09**
